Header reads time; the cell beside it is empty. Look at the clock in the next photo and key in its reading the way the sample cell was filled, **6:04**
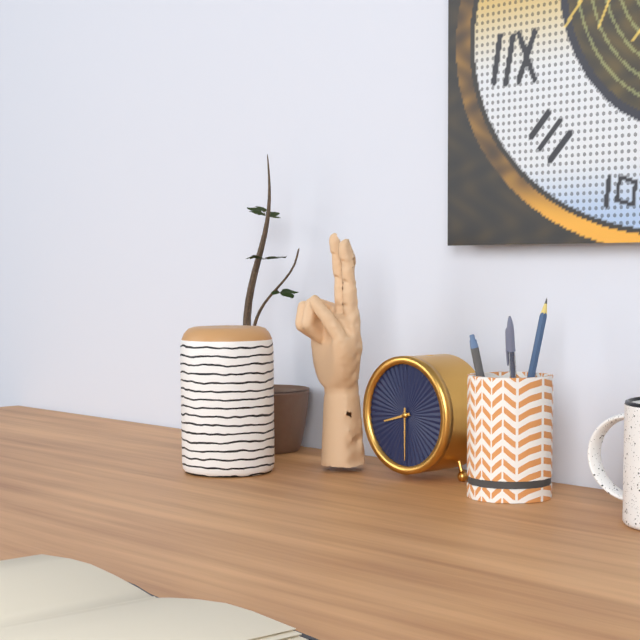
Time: **8:30**
